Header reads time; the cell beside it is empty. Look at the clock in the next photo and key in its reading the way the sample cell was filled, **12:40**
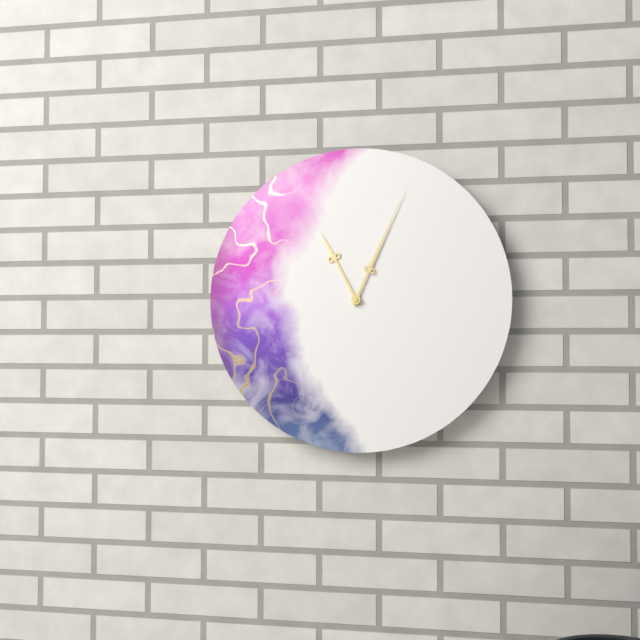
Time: **11:04**
